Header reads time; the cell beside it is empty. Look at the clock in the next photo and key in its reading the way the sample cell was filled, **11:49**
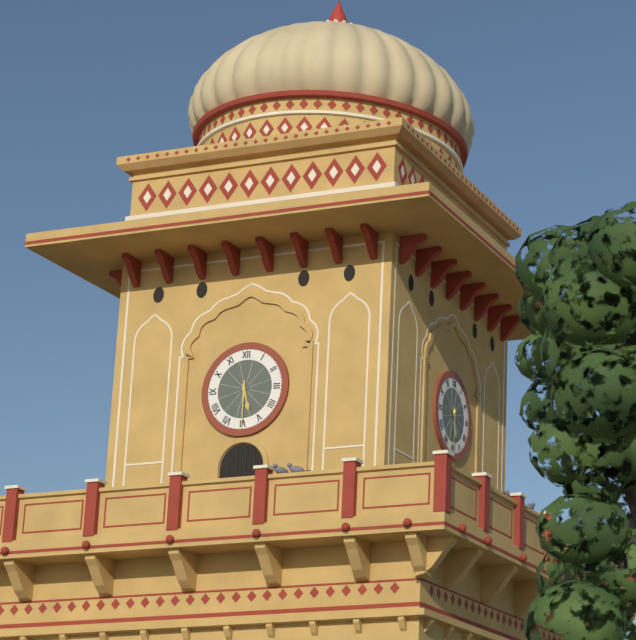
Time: **5:30**
